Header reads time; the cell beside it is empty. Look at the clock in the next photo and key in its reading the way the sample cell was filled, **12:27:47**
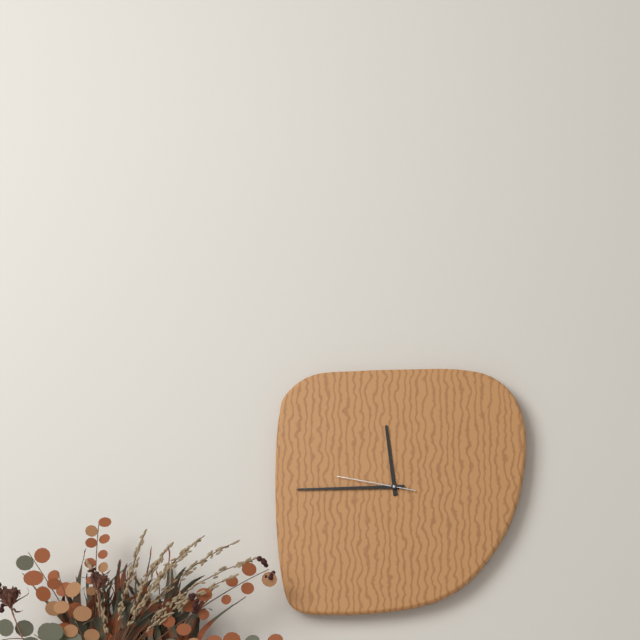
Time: **11:45:47**
